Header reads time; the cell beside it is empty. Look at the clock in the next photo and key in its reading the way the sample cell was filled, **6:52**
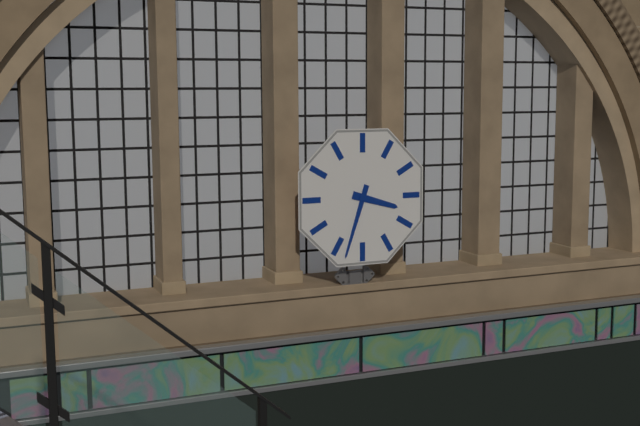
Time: **3:33**
